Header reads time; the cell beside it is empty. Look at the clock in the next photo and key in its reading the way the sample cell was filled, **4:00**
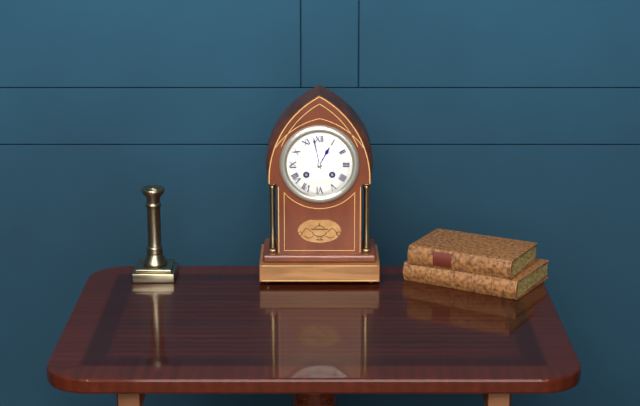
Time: **12:58**
